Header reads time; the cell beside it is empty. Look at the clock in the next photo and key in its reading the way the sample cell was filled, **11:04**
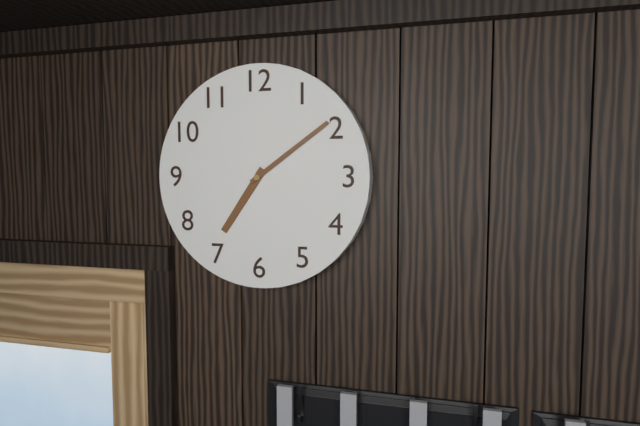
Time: **7:09**
